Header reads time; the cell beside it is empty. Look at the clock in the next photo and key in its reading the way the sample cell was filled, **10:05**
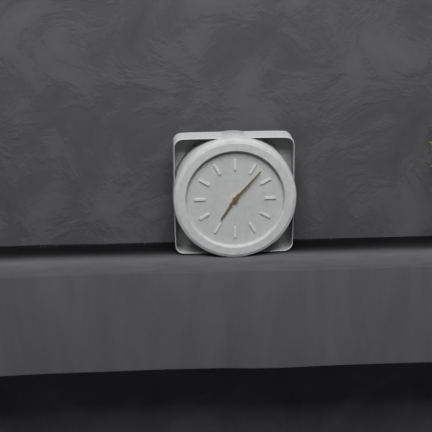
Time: **7:07**
